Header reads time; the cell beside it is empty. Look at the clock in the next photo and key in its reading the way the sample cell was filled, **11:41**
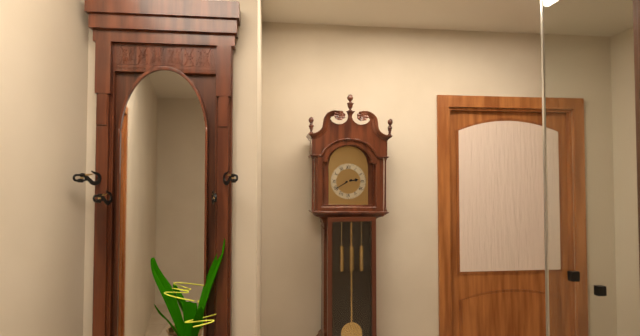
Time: **2:40**
